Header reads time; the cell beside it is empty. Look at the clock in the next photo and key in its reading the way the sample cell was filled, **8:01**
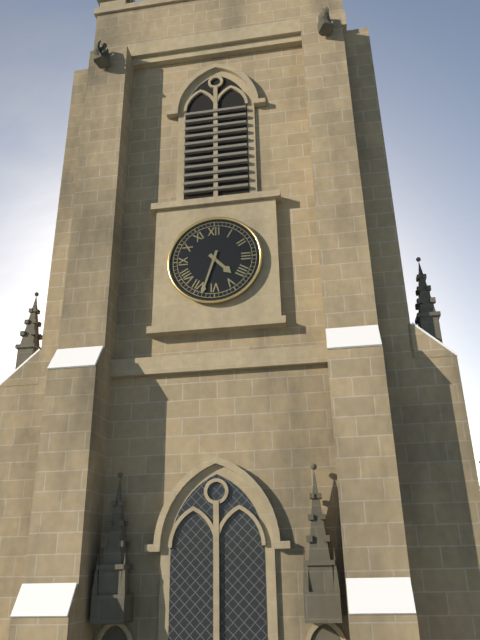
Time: **4:33**
